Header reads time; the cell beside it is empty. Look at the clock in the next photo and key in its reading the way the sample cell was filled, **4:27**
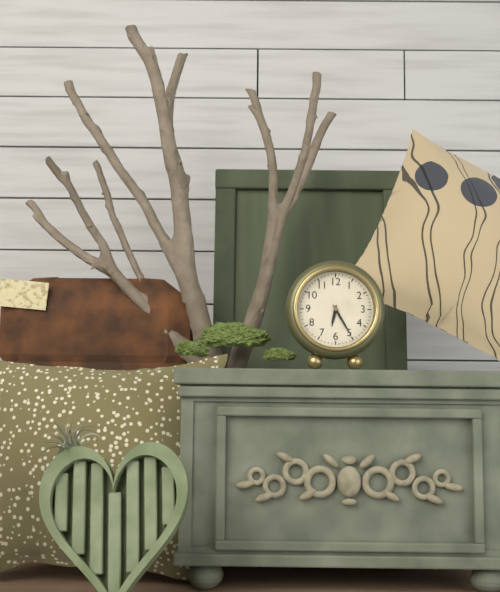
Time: **6:25**
